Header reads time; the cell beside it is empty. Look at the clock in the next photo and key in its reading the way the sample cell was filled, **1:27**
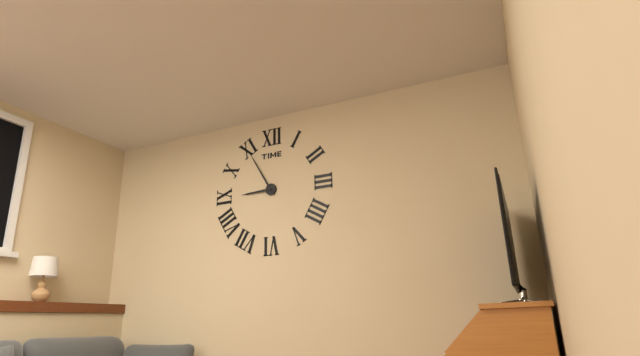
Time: **8:55**
